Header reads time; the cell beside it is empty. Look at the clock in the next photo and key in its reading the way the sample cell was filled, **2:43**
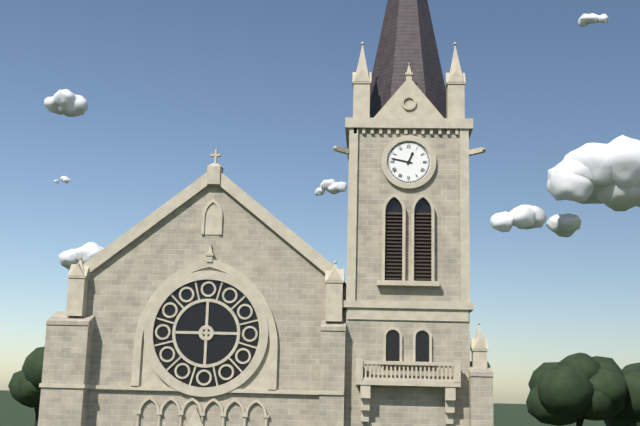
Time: **12:47**
